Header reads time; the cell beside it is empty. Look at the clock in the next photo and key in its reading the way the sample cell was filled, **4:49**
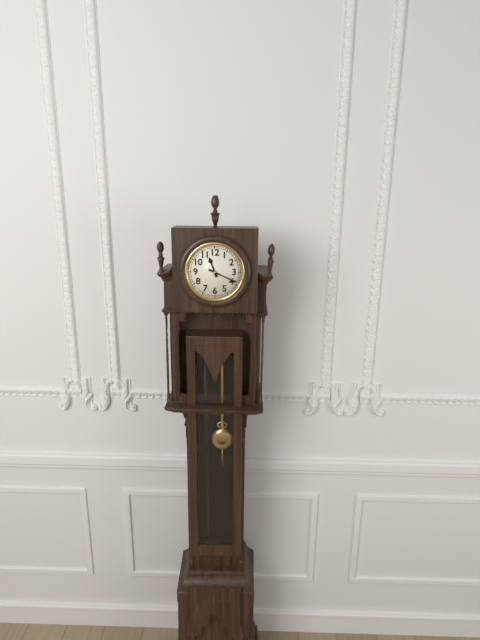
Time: **11:19**
